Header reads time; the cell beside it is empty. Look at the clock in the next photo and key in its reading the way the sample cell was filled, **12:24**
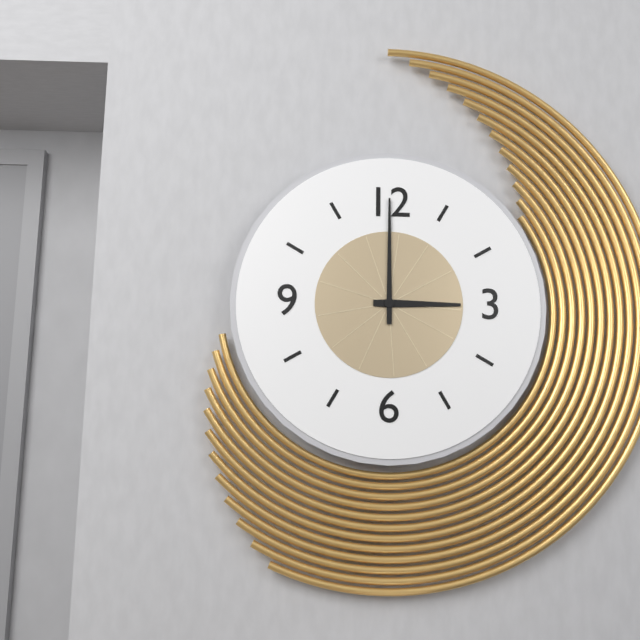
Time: **3:00**
